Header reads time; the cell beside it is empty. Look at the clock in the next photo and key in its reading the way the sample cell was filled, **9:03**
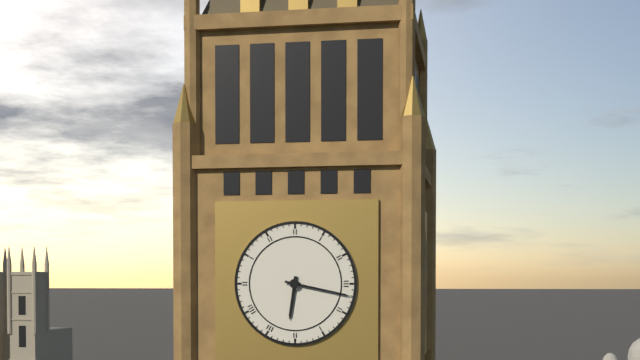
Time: **6:17**
